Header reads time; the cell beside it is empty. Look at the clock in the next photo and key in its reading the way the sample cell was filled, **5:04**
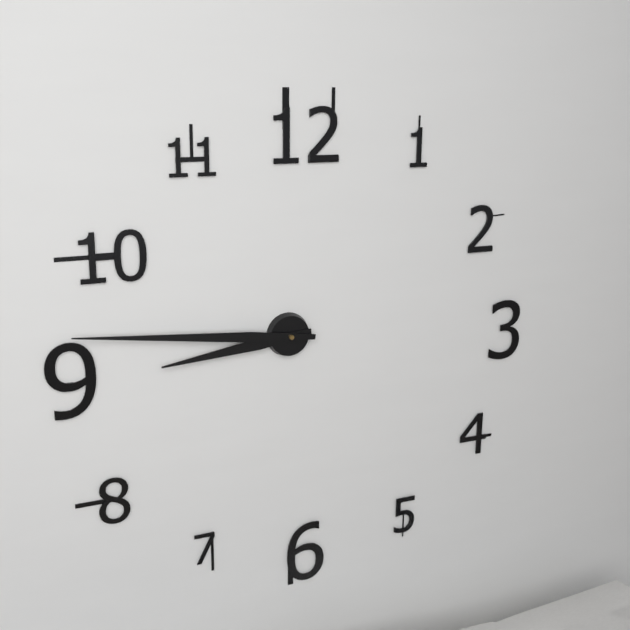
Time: **8:46**
